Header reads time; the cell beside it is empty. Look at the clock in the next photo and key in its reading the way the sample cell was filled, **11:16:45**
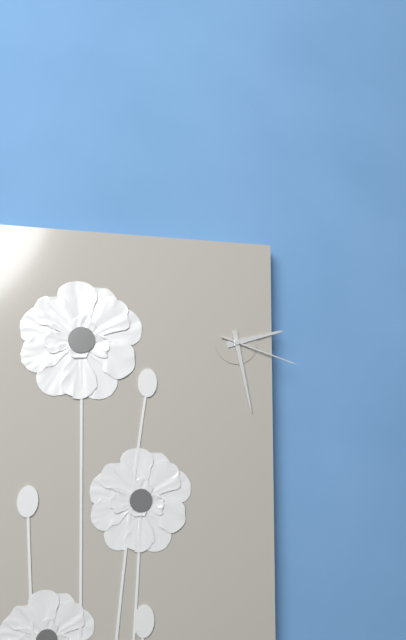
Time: **2:28:18**
